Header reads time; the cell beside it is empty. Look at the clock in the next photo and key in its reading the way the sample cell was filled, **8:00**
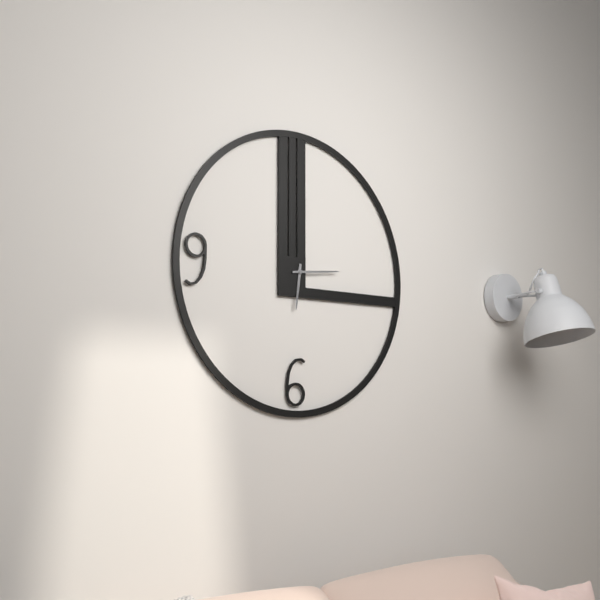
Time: **6:14**
